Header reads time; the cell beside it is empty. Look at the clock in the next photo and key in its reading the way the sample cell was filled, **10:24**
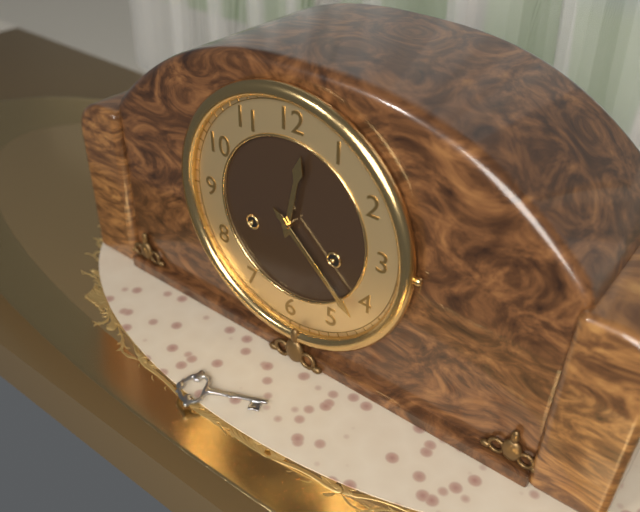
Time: **12:22**
